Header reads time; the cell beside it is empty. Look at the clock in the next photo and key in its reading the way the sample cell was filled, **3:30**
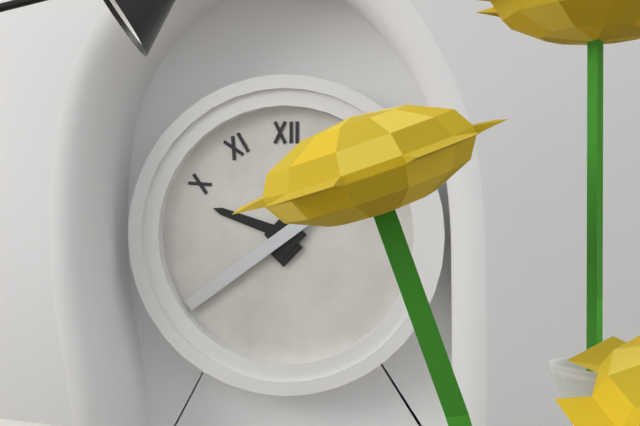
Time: **9:39**
